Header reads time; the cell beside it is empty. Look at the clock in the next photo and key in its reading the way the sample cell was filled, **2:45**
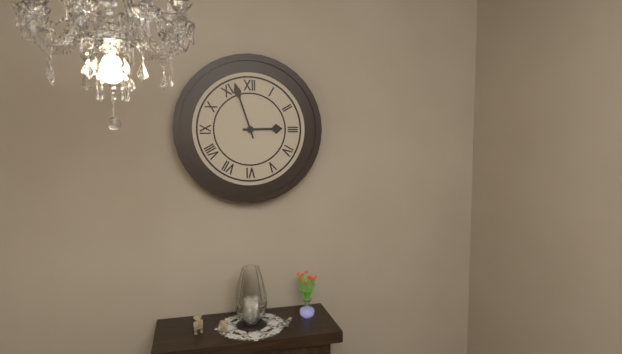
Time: **2:57**
